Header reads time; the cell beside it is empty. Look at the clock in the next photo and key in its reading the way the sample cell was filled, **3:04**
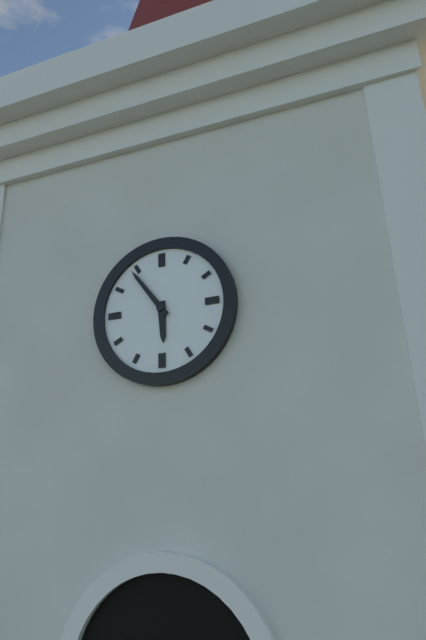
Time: **5:54**
